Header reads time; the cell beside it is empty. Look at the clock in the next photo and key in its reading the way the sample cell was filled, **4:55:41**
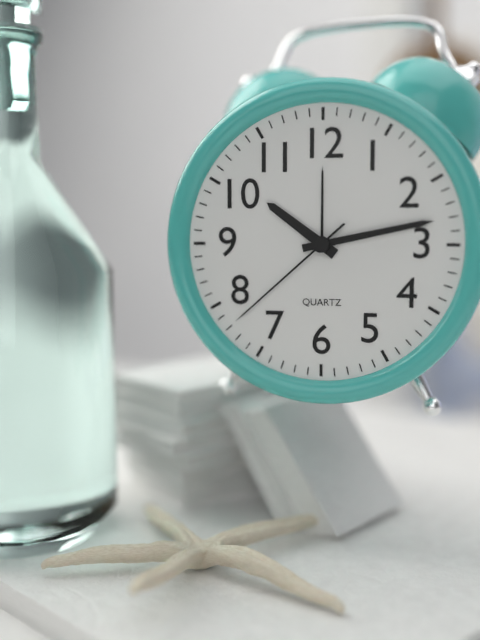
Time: **10:13:38**
